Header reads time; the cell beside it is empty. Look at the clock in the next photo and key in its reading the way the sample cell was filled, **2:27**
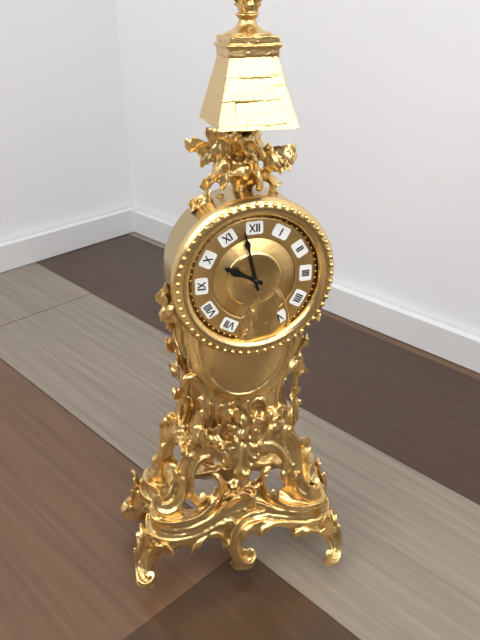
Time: **9:58**
